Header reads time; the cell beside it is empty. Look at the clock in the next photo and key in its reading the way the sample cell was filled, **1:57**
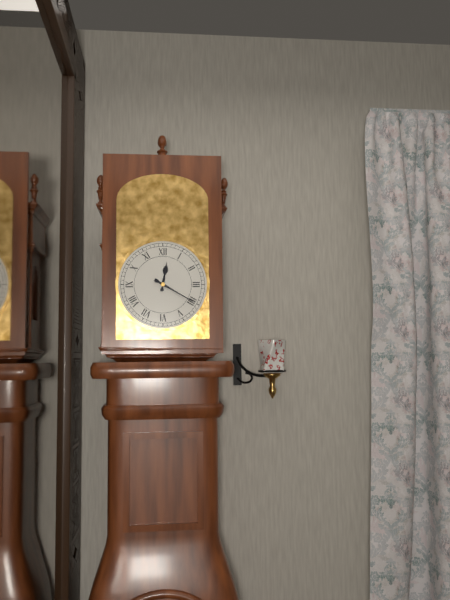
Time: **12:20**
